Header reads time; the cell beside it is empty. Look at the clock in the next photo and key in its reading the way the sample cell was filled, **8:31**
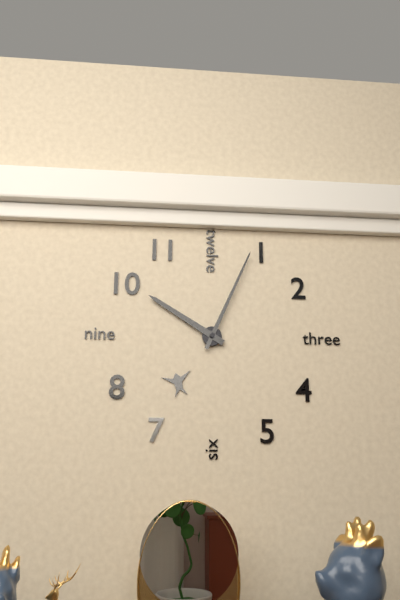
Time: **10:04**
